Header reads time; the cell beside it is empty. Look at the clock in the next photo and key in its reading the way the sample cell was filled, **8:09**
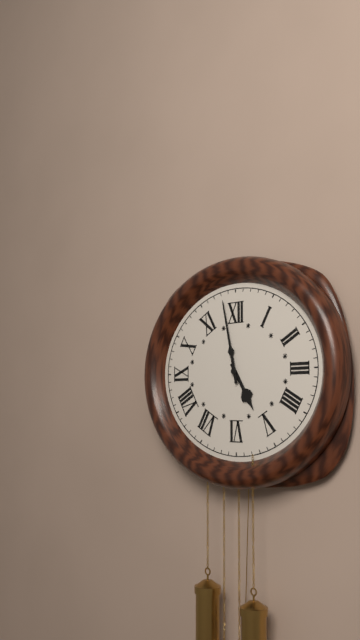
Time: **4:58**
